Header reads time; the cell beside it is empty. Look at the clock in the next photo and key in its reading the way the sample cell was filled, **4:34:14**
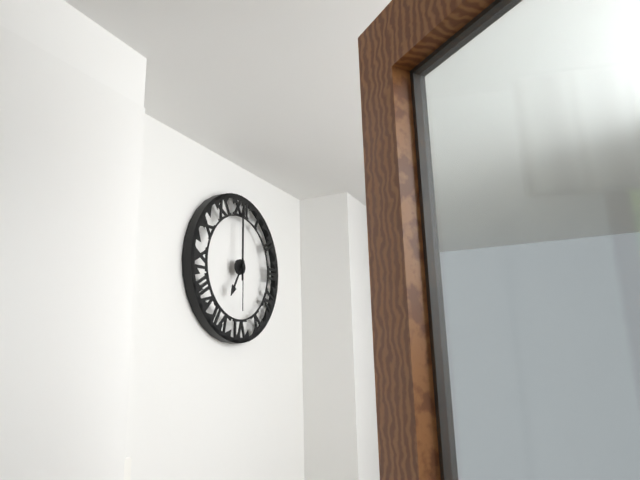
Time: **7:00:00**
